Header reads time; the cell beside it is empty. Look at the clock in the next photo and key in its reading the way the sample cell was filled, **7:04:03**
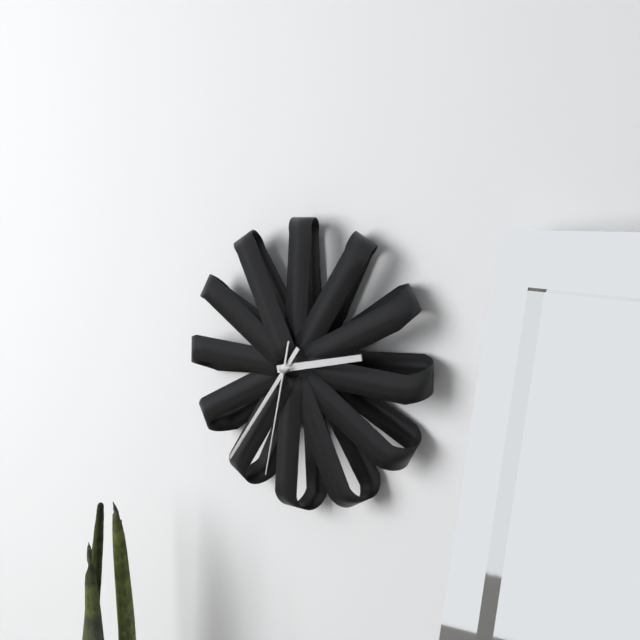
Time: **2:36:32**
